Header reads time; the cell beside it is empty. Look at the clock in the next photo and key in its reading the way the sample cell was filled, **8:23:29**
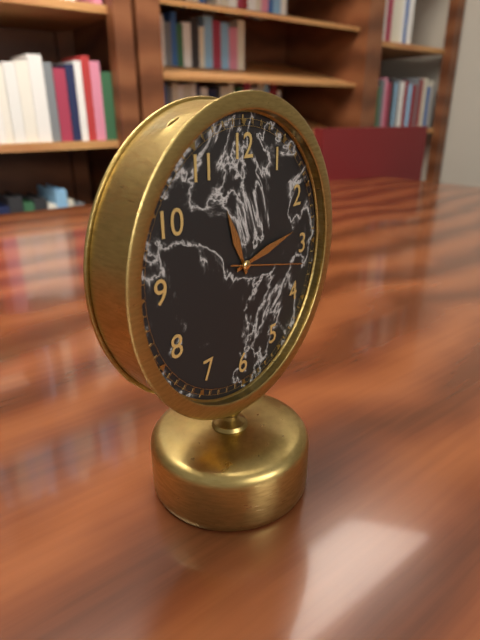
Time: **11:13:17**
